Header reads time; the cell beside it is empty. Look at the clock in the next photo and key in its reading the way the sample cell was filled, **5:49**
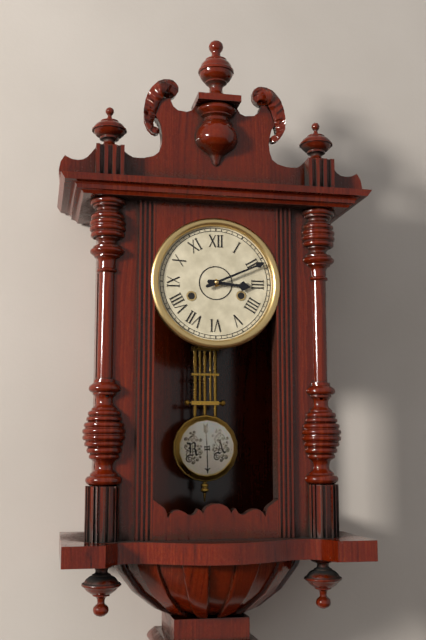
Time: **3:11**
